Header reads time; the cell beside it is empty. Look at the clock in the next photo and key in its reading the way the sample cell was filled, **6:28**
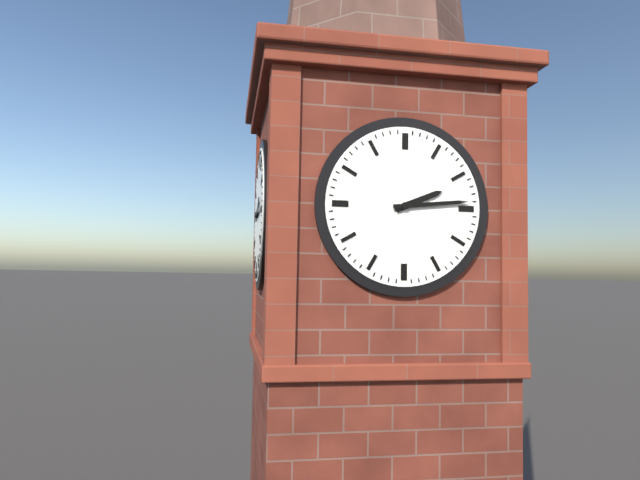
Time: **2:14**
